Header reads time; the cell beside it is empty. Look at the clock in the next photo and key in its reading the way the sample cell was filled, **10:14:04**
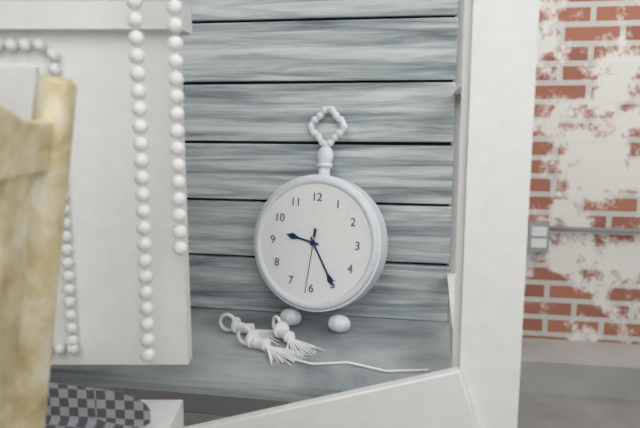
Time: **9:25:31**
